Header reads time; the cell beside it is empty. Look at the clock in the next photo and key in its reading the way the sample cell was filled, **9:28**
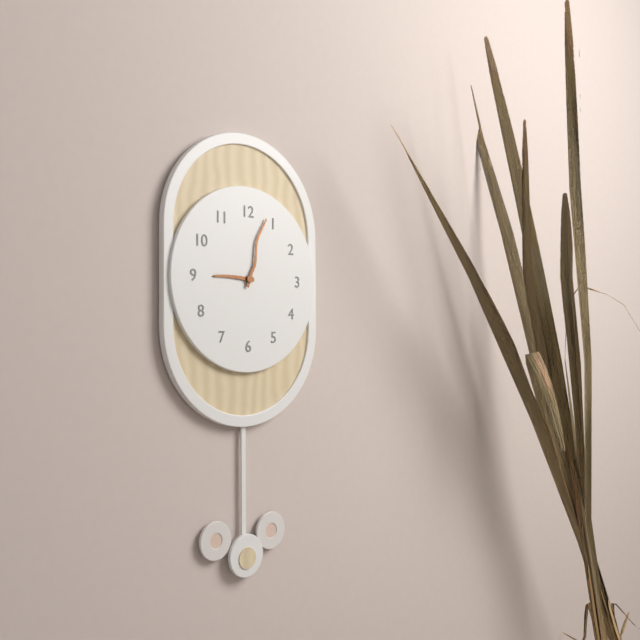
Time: **9:03**
